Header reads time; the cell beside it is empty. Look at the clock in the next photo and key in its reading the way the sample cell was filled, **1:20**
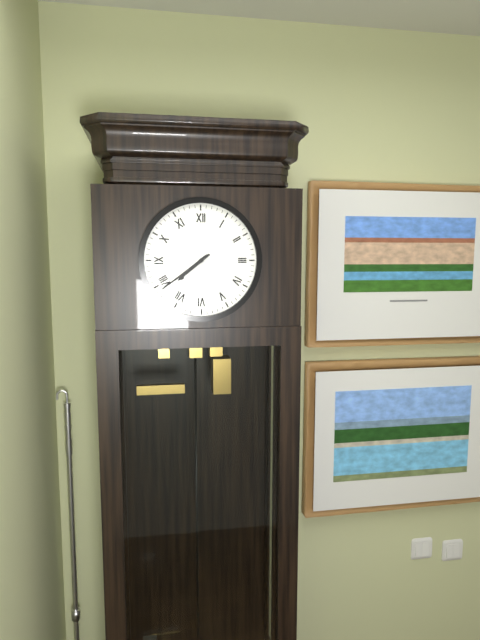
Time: **7:39**
